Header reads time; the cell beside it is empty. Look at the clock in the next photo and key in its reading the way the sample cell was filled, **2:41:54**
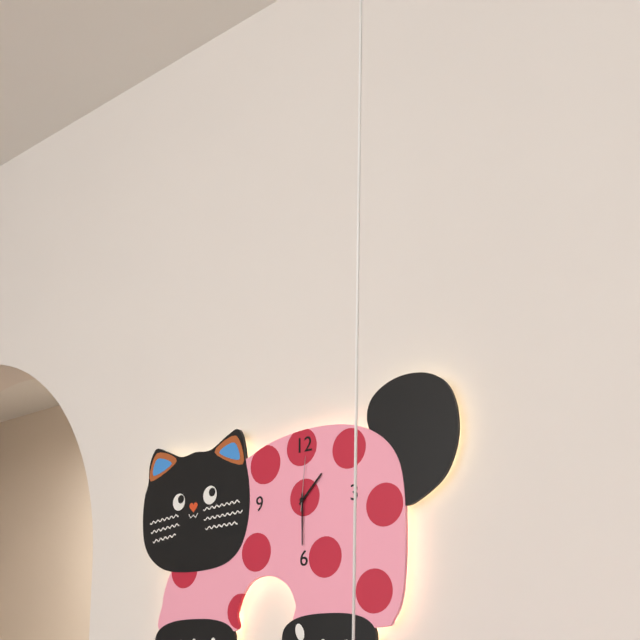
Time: **1:30:01**
